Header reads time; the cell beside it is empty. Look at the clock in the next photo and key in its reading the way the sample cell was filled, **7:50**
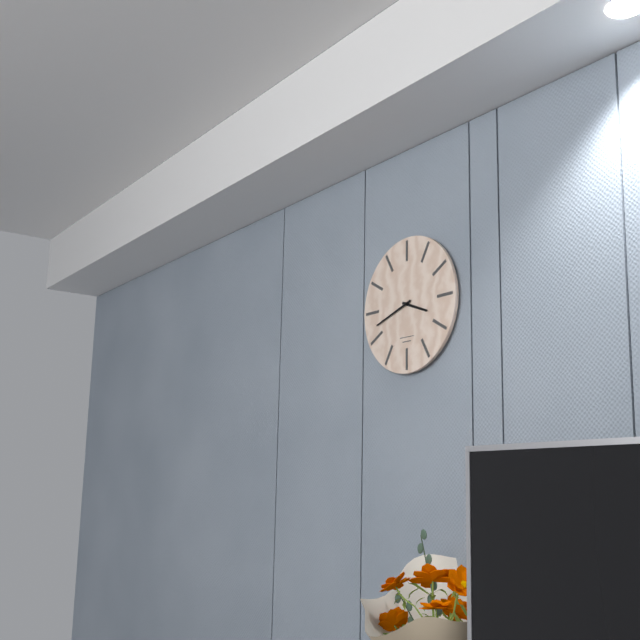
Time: **3:42**
